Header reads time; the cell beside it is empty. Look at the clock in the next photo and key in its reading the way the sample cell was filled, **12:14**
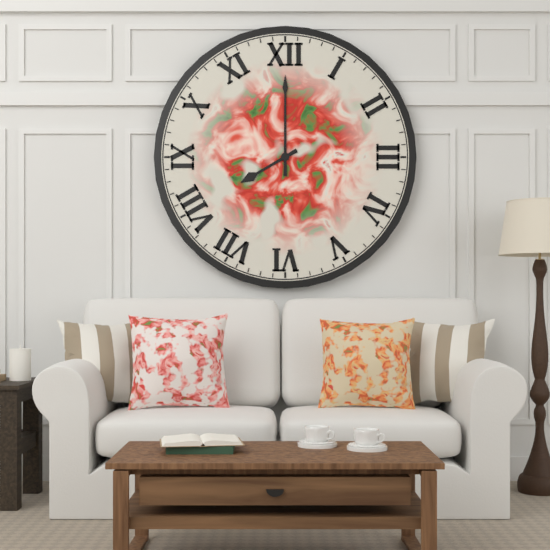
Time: **8:00**
